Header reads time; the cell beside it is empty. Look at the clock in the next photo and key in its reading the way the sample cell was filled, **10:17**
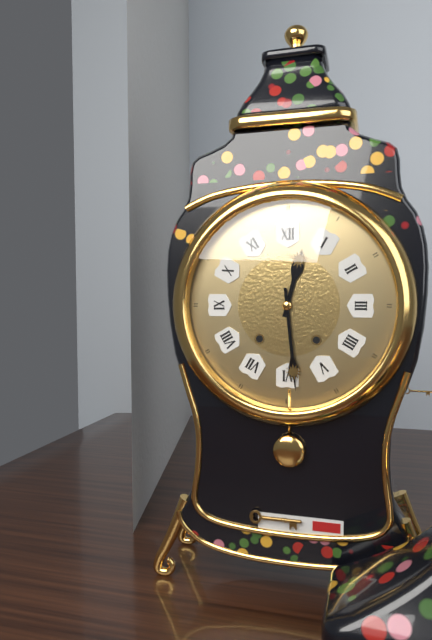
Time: **12:29**
